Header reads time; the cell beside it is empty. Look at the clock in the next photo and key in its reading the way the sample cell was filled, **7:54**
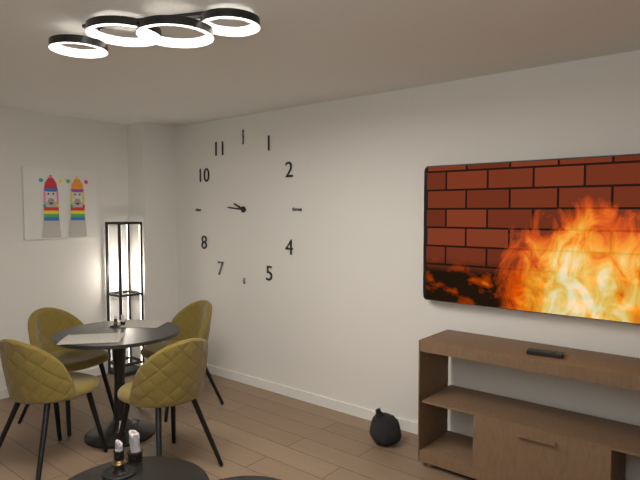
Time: **9:46**
